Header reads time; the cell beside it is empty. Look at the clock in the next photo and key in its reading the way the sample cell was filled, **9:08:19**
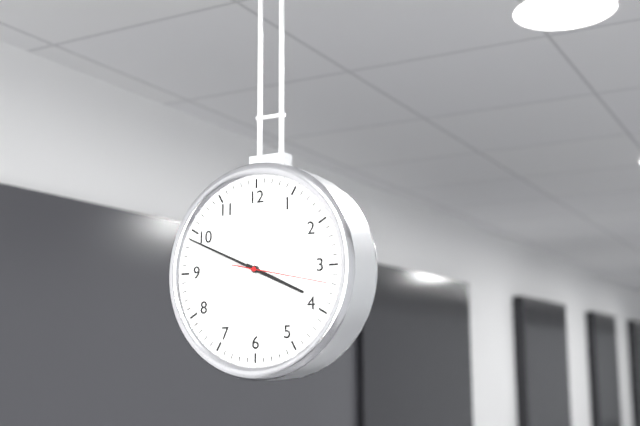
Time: **3:49:17**
